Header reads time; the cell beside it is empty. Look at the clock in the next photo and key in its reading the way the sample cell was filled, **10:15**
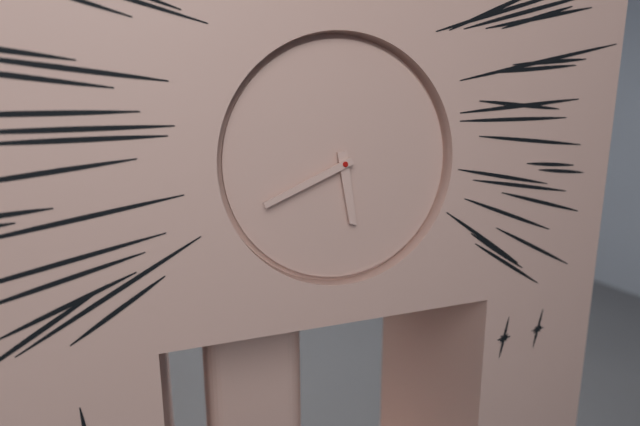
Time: **5:41**
